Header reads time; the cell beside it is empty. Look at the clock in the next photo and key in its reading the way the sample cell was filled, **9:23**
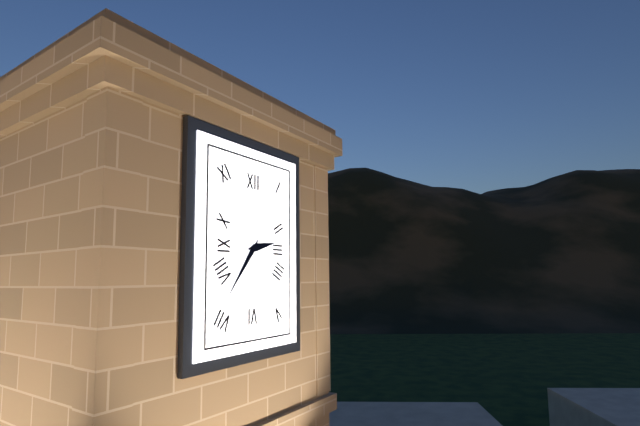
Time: **2:36**
